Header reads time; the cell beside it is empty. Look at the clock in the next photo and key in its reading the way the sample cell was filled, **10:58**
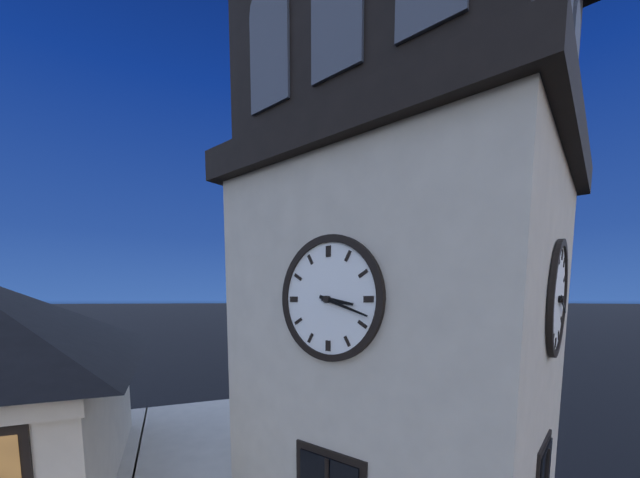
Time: **3:18**
